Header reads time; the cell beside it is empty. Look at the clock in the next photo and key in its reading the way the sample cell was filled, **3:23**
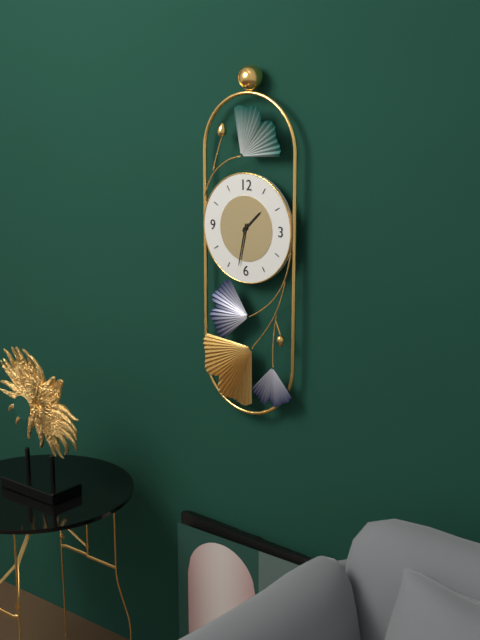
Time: **1:32**
